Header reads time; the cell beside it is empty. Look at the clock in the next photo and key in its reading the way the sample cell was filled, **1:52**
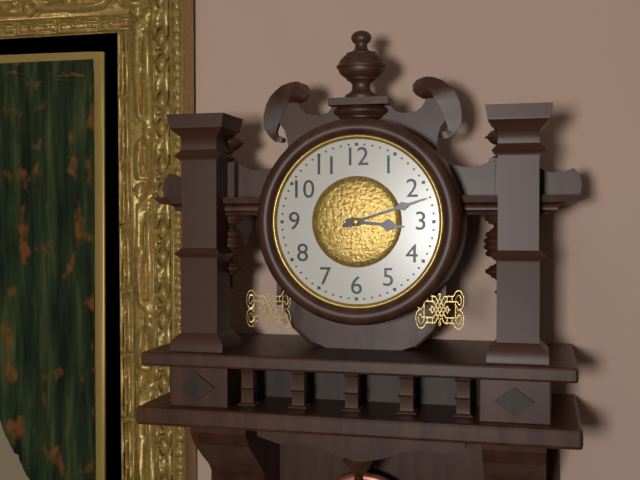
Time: **3:12**
